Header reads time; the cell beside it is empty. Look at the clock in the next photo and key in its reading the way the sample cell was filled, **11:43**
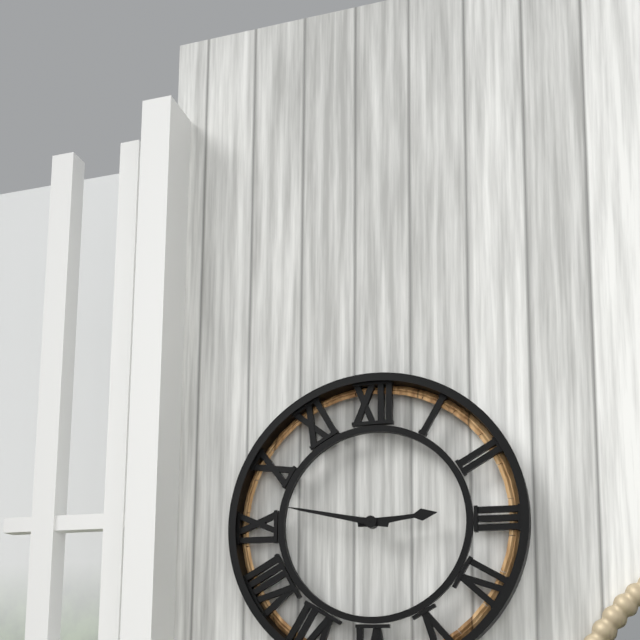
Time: **2:47**
